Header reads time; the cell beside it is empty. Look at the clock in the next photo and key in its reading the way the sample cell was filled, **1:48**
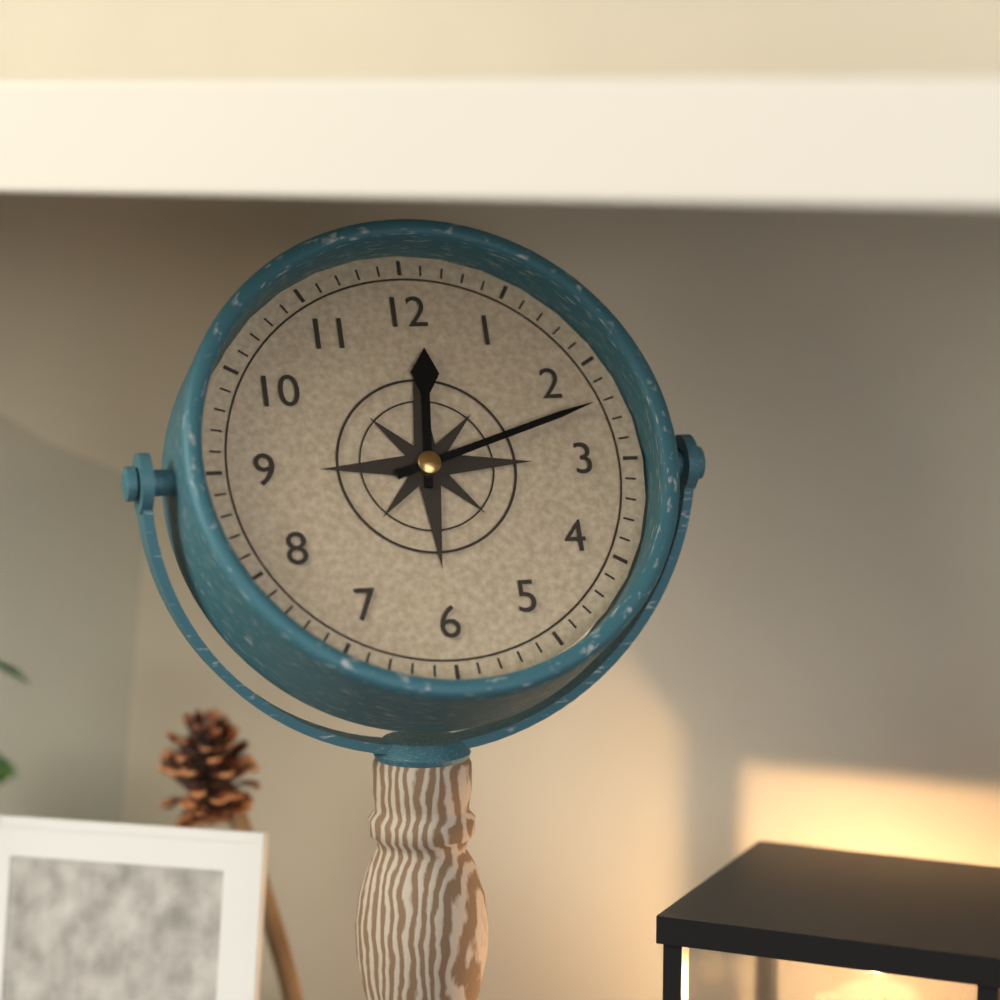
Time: **12:12**
